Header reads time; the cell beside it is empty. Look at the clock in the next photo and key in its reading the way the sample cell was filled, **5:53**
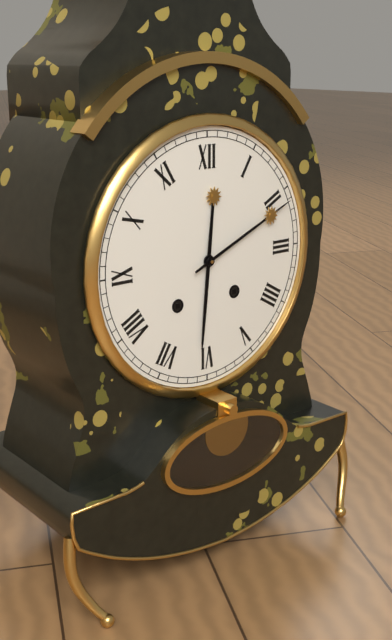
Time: **6:11**
